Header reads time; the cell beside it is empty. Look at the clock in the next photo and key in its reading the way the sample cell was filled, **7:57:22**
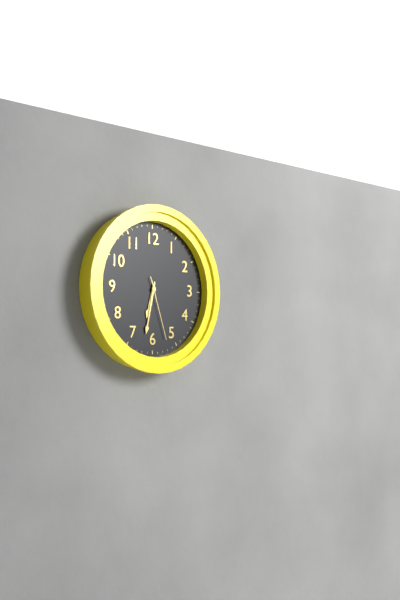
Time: **6:32:27**
